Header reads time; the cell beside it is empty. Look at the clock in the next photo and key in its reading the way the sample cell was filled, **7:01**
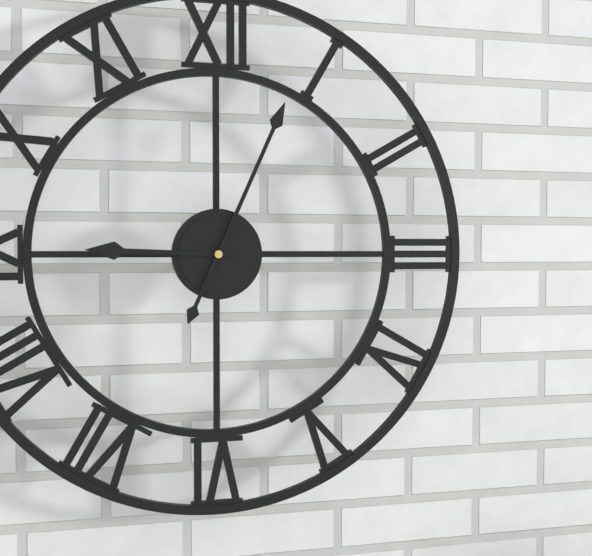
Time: **9:04**
